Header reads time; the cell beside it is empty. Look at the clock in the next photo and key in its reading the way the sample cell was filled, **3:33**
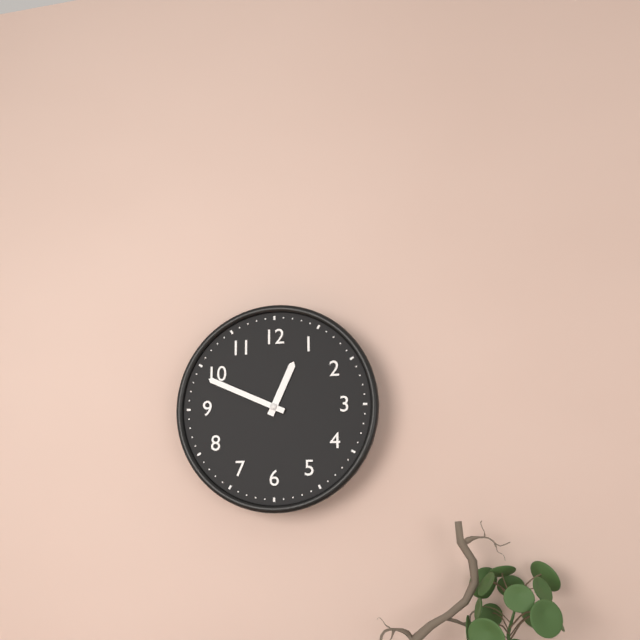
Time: **12:49**
